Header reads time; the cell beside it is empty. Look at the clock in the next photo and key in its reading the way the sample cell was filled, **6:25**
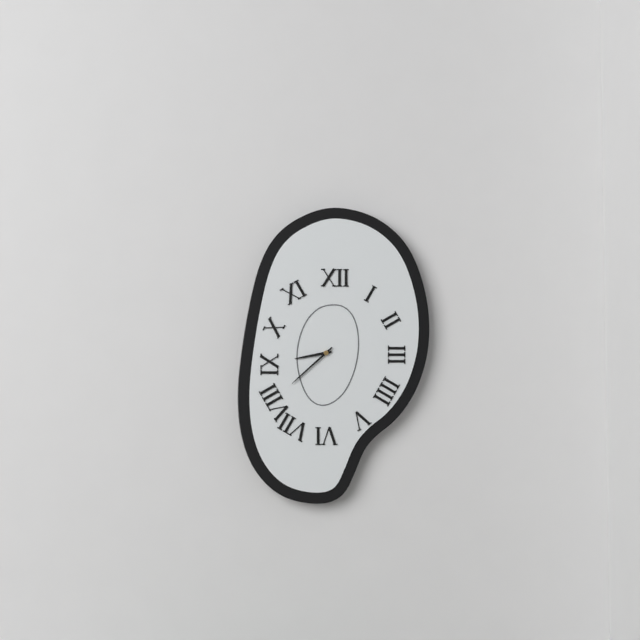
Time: **8:38**
